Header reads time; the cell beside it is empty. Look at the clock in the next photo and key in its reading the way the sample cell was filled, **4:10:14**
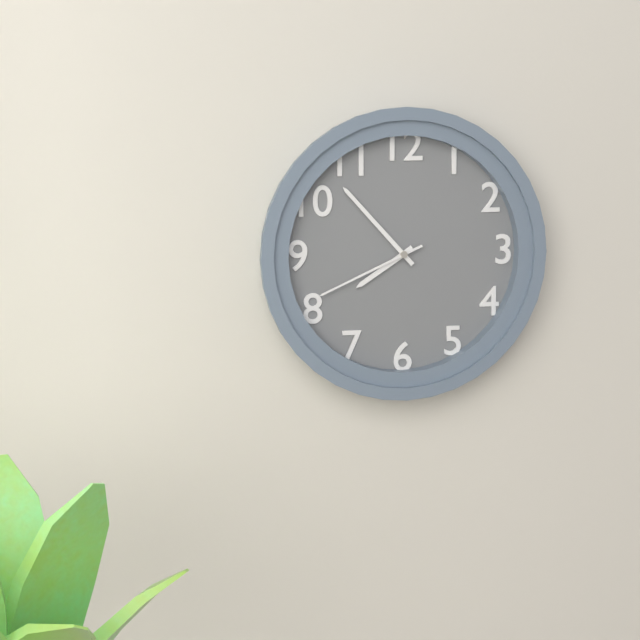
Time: **7:53:41**
